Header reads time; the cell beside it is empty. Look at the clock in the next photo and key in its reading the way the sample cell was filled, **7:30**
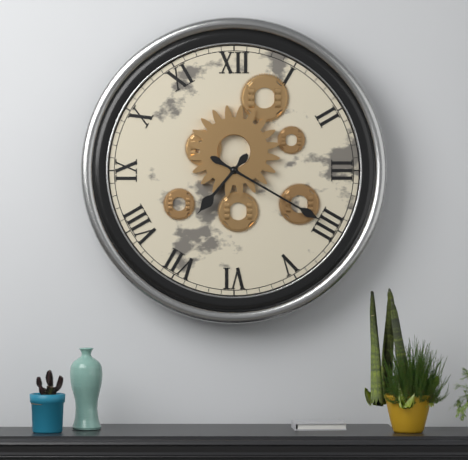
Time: **7:20**
